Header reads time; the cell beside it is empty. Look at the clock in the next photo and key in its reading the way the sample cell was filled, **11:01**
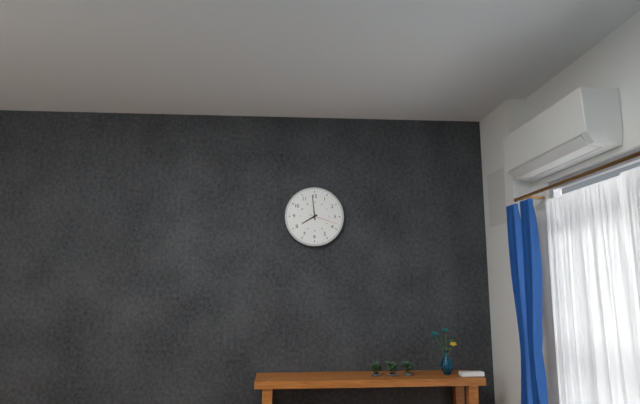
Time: **7:59**
